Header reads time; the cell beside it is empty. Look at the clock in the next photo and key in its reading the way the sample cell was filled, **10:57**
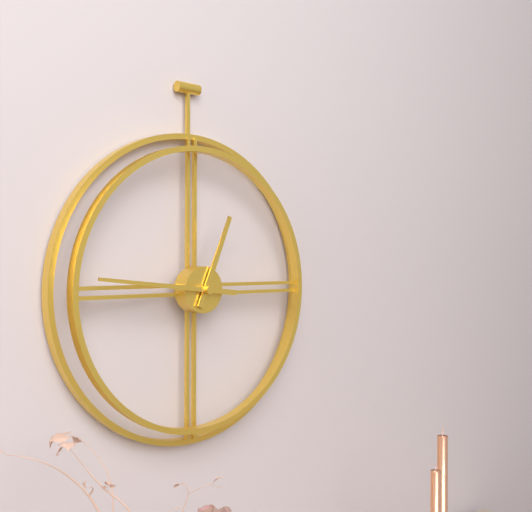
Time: **12:46**
